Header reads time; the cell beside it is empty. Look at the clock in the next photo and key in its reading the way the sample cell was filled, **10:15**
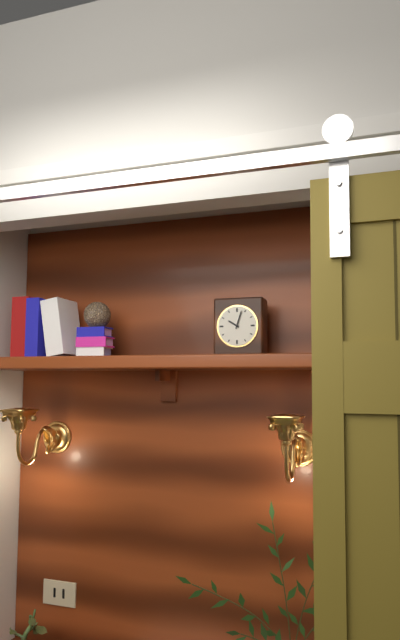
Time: **10:03**
